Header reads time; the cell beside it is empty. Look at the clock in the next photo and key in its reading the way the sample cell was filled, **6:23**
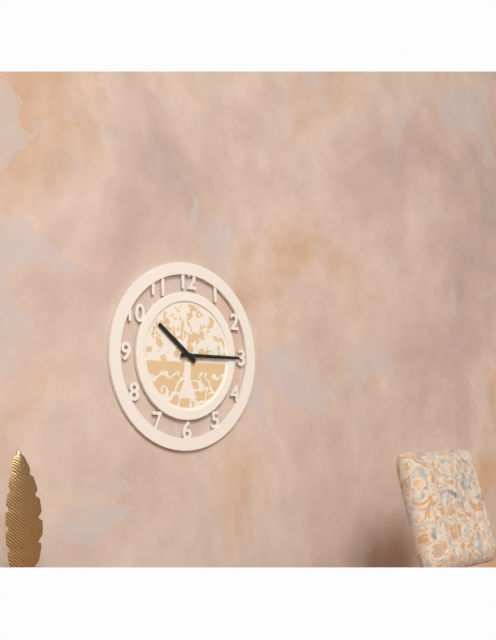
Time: **10:15**
